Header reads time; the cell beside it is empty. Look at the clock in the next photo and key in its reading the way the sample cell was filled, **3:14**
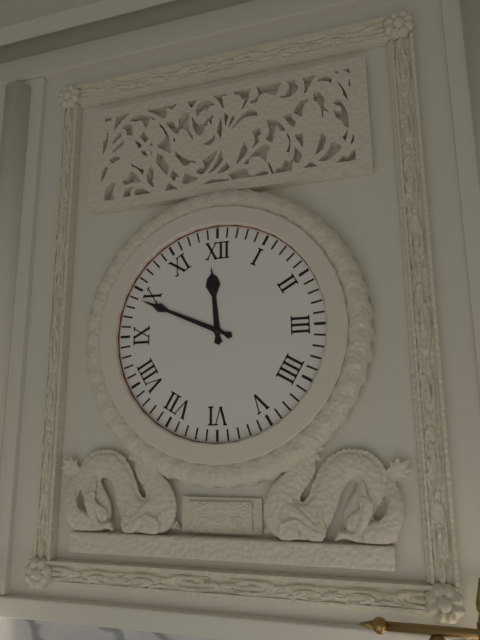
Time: **11:49**
